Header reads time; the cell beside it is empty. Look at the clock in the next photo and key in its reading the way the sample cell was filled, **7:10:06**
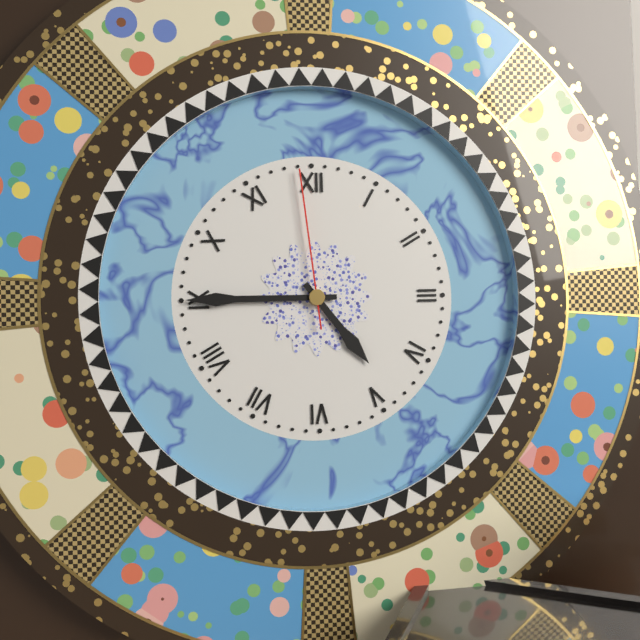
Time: **4:45:59**
